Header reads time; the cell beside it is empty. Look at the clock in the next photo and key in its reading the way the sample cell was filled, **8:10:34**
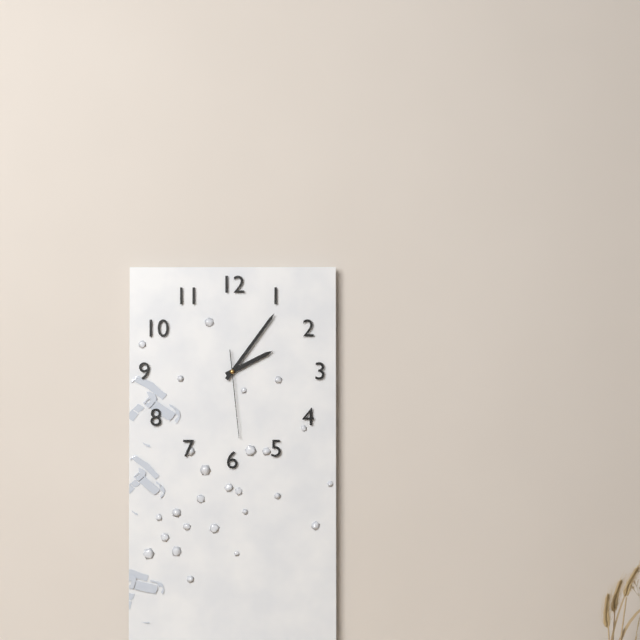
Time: **2:06:29**
